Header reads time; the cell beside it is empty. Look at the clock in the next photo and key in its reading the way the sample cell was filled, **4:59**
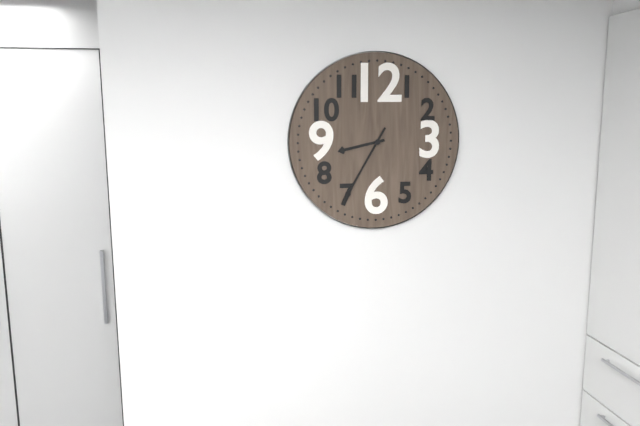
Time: **8:35**
